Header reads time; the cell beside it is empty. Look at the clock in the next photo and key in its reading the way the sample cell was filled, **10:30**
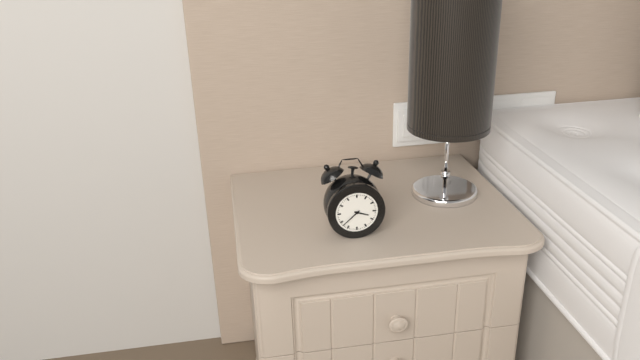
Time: **3:38**
